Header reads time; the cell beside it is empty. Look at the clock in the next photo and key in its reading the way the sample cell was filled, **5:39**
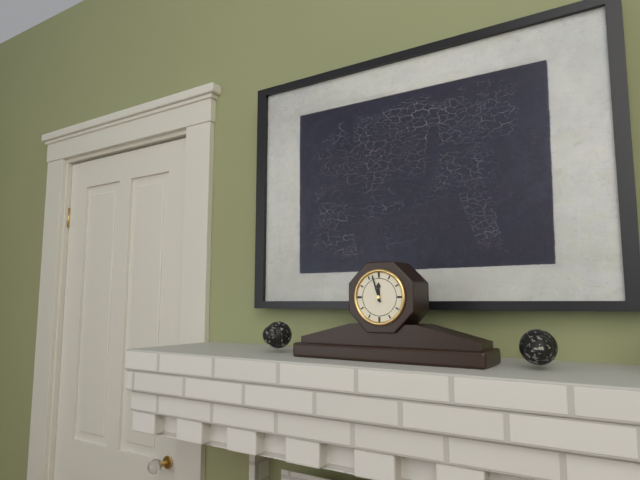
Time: **11:57**
